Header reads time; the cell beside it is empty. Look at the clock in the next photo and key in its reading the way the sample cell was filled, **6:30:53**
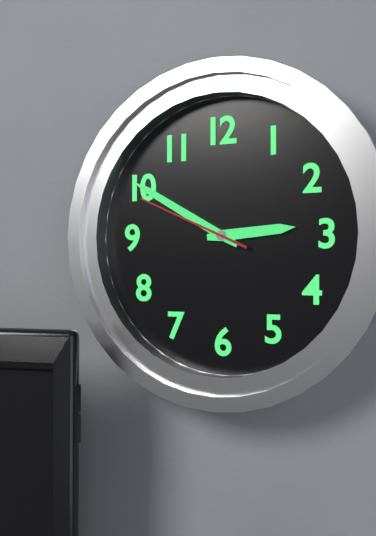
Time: **2:50:49**
